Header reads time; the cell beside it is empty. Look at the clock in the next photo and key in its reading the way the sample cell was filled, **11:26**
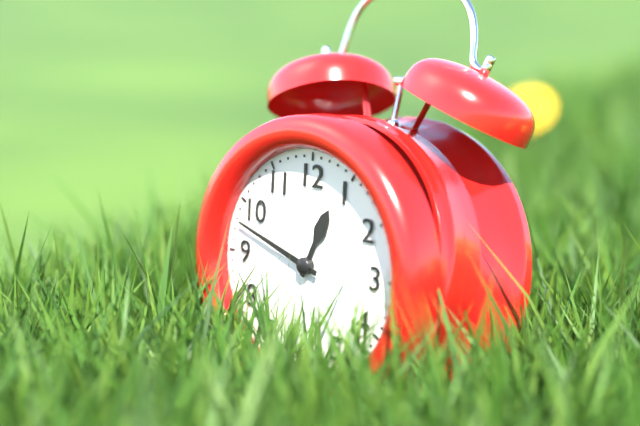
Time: **12:48**
